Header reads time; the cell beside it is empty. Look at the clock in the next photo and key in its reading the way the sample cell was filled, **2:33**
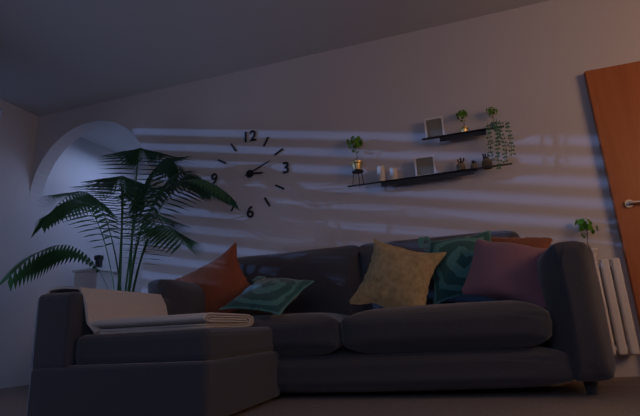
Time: **3:11**
